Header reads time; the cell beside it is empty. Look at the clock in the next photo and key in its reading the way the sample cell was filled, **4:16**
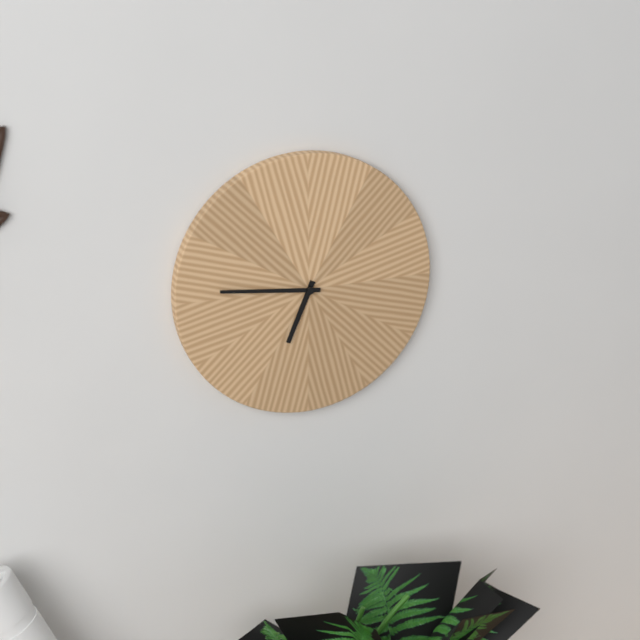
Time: **6:46**
